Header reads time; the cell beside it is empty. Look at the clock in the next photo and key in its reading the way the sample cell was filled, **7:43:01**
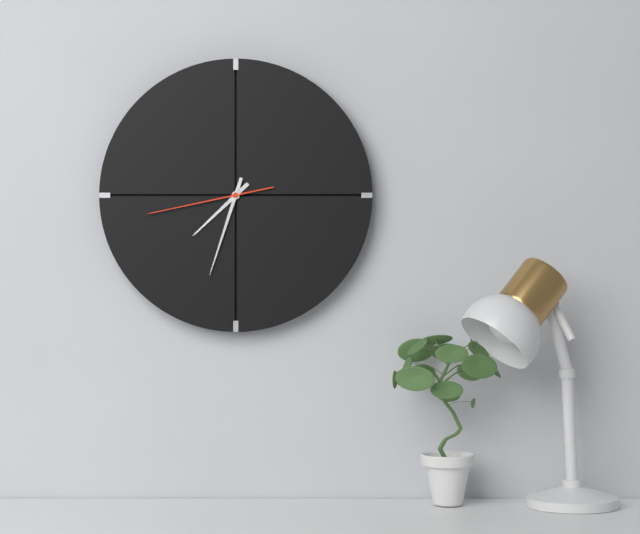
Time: **7:33:43**
